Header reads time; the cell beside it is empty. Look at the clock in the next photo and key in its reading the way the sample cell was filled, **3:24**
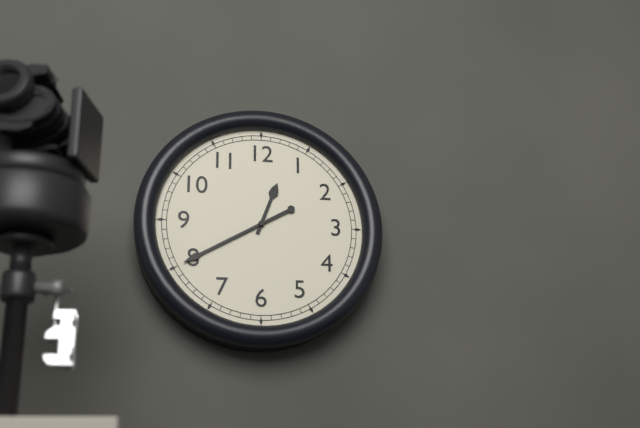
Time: **12:40**
